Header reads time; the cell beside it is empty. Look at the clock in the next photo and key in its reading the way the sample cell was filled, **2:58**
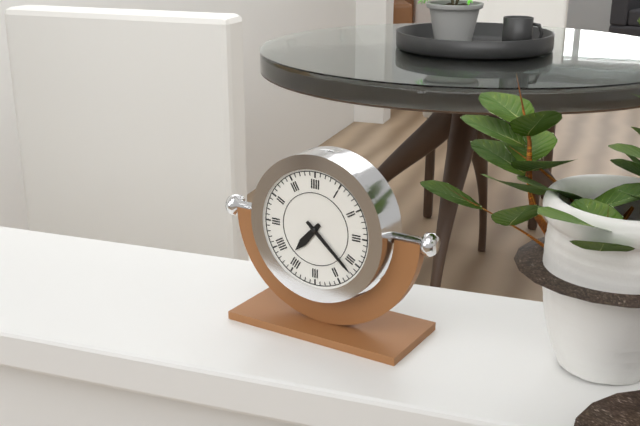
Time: **7:22**
